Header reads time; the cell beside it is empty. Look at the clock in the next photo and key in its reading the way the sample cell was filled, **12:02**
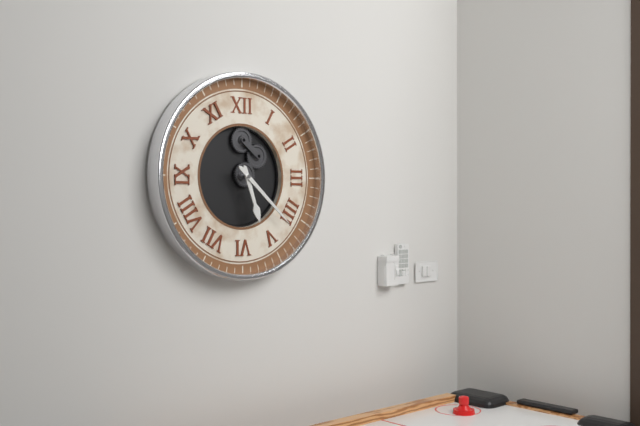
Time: **5:22**
